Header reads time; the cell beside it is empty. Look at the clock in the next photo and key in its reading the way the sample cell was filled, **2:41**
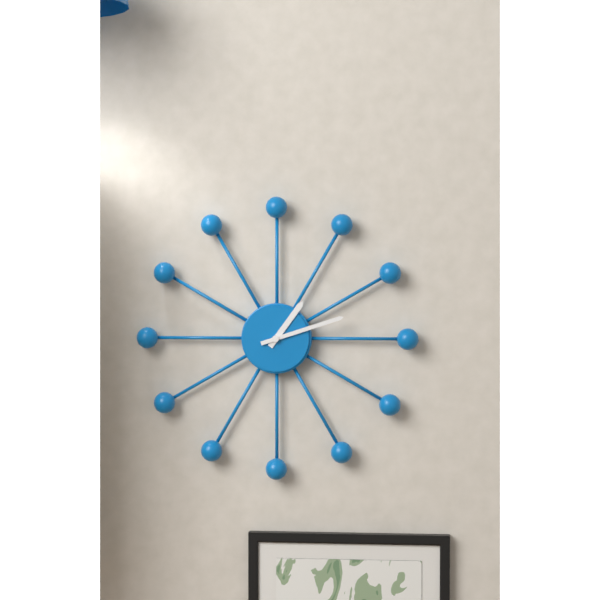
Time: **1:12**
